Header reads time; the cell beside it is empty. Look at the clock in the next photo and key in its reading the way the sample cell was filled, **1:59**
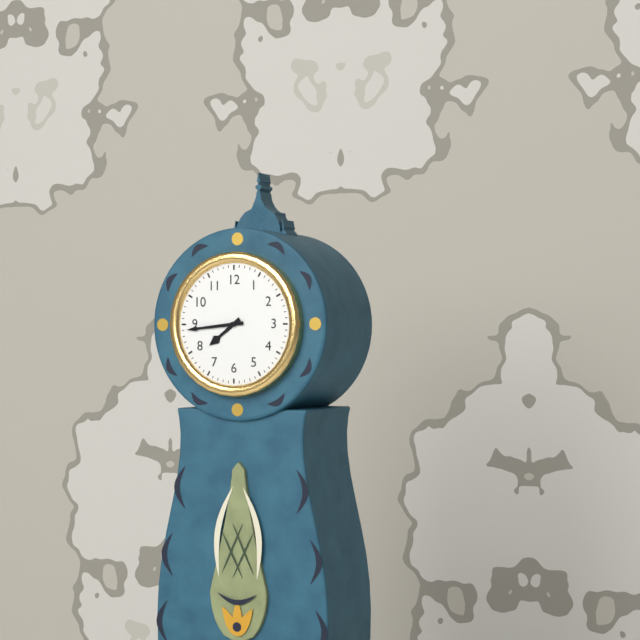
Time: **7:44**
